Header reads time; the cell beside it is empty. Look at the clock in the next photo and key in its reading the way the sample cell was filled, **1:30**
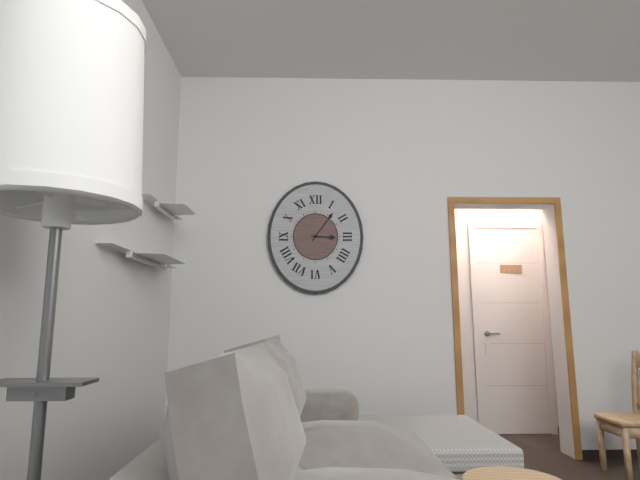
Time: **3:06**
